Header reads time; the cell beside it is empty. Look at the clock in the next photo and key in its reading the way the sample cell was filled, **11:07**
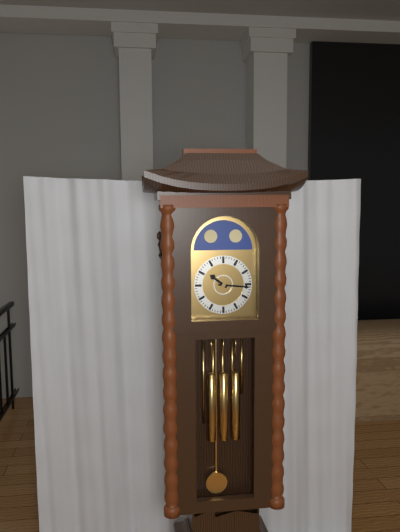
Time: **10:16**
